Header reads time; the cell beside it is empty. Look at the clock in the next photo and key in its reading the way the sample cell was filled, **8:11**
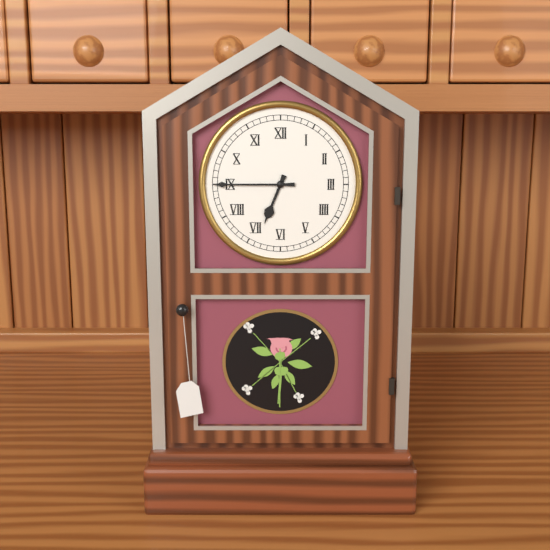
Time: **6:45**
